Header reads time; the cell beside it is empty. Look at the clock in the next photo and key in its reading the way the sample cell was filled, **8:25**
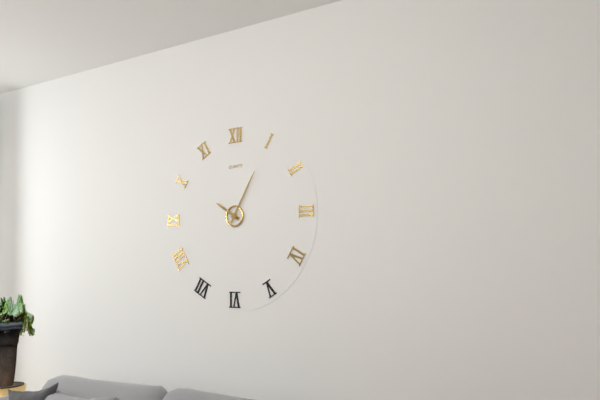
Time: **10:05**
